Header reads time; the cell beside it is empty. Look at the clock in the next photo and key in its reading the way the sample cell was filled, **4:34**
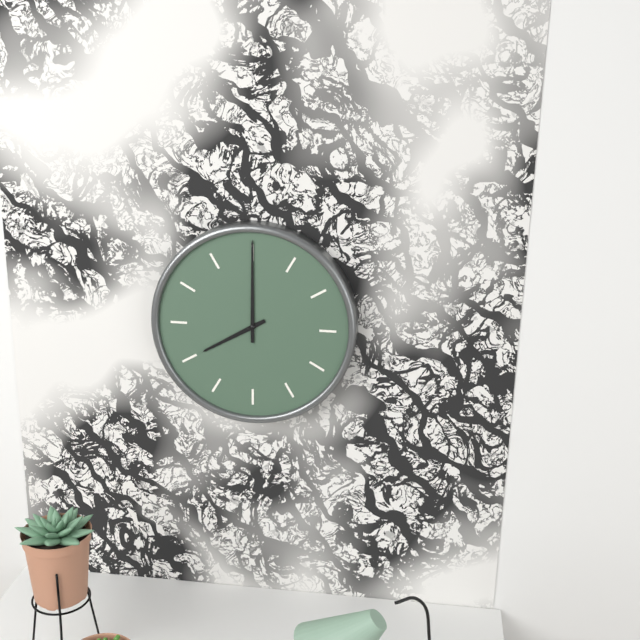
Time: **8:00**
